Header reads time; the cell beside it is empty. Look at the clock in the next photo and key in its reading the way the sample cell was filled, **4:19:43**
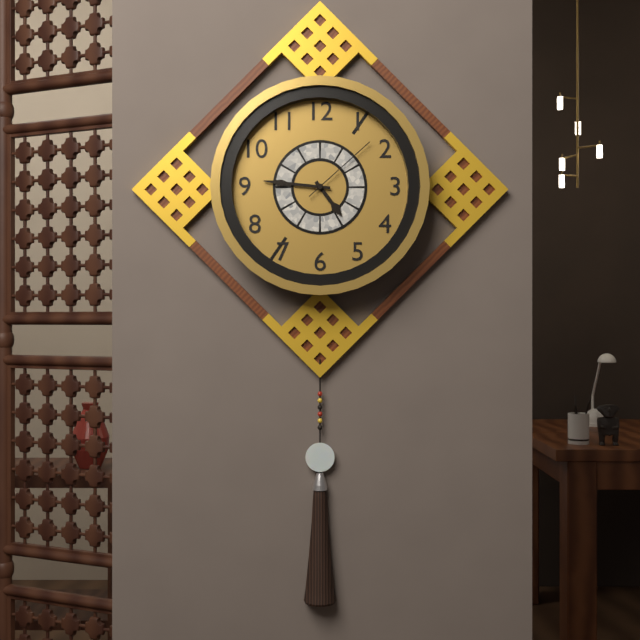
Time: **4:46:08**
